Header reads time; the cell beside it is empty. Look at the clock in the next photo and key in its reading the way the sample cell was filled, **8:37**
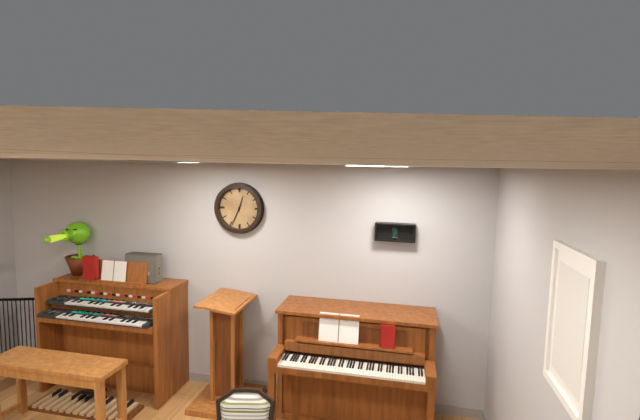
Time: **12:34**
